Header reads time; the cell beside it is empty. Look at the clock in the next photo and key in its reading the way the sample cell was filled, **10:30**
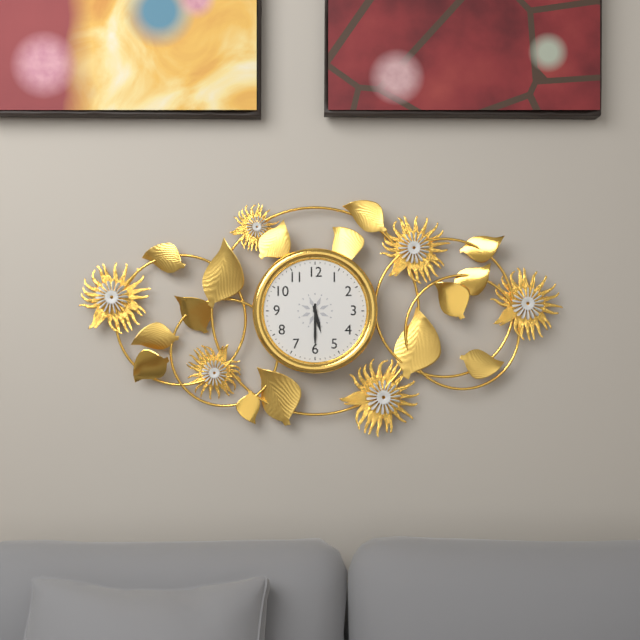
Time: **5:30**
